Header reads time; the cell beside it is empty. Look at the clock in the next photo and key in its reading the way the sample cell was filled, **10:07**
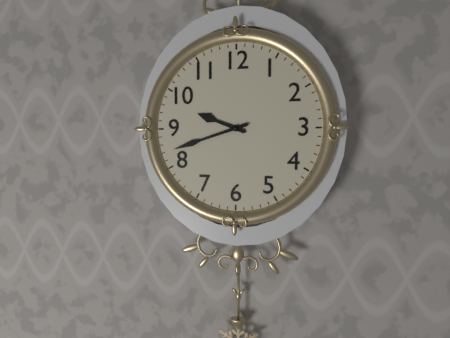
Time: **9:42**
